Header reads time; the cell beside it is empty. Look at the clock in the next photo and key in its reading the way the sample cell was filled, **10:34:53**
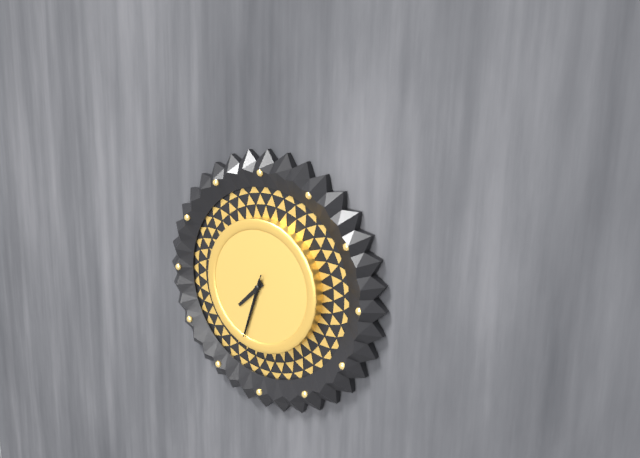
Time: **7:33:33**
